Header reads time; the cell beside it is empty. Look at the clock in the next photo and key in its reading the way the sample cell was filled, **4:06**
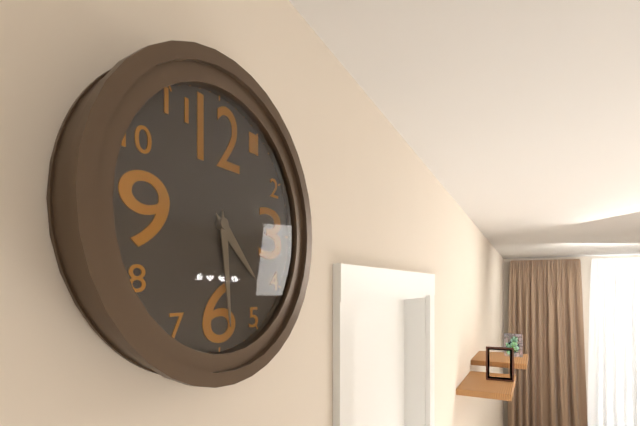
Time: **4:29**
